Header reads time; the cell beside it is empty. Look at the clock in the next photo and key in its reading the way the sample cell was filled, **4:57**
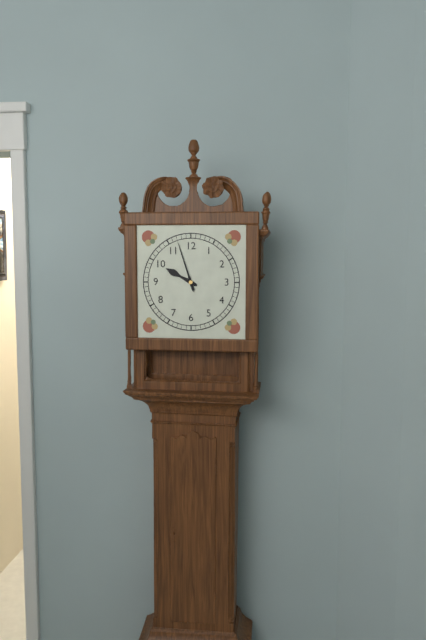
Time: **9:57**
